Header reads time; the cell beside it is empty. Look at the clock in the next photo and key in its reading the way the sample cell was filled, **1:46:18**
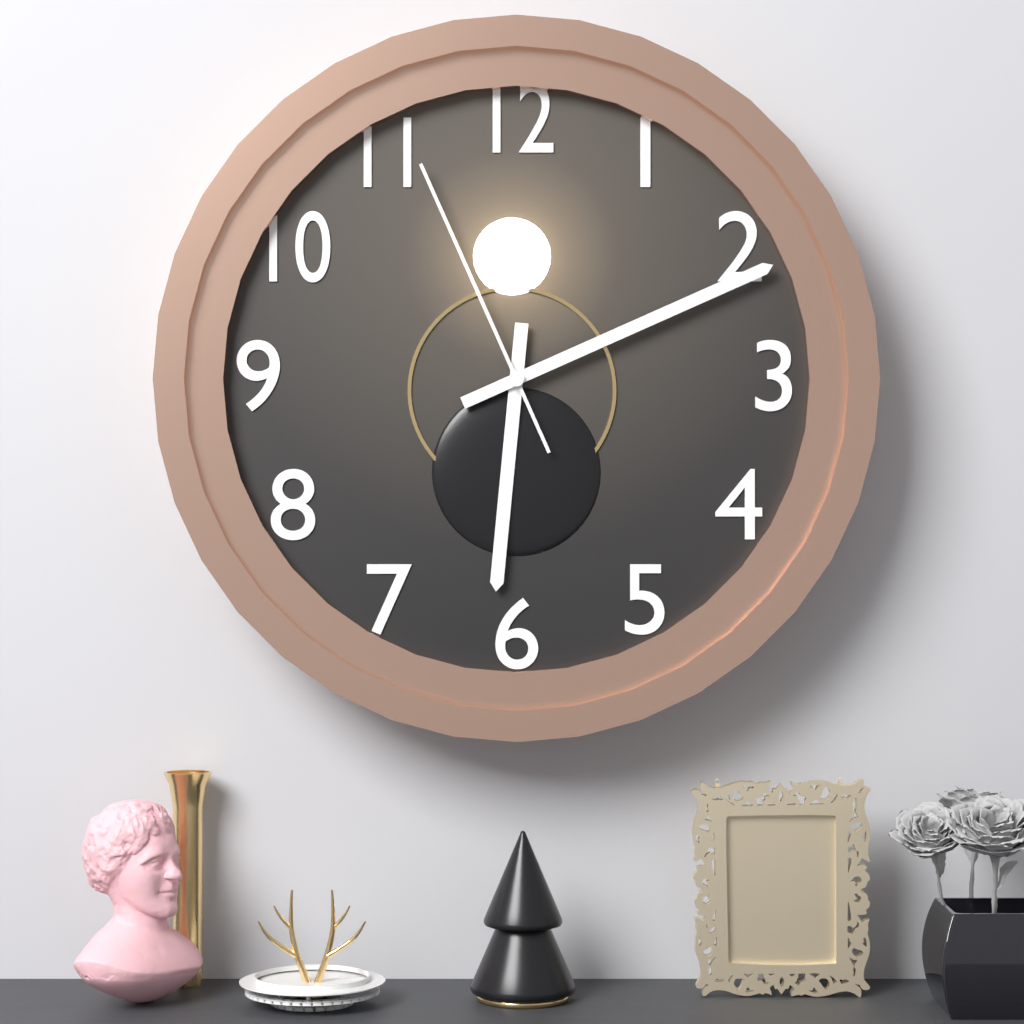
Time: **6:11:56**
